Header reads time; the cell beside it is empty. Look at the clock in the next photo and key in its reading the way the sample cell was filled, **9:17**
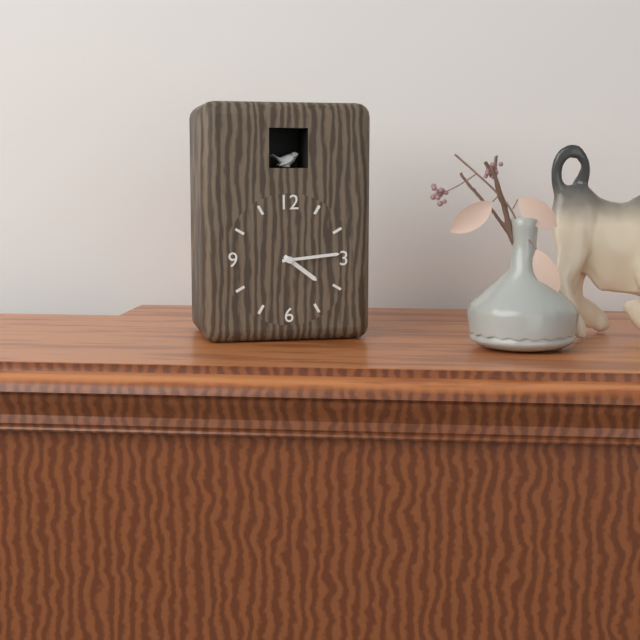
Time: **4:14**
